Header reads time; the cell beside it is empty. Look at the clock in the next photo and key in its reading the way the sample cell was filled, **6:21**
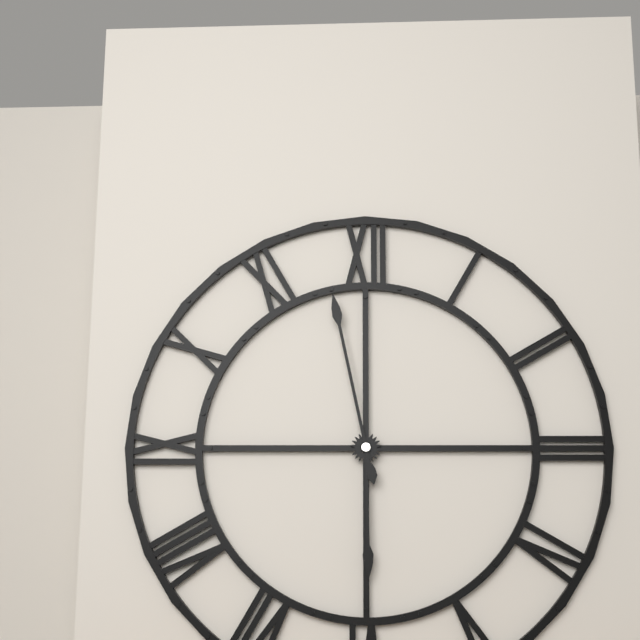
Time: **5:58**
